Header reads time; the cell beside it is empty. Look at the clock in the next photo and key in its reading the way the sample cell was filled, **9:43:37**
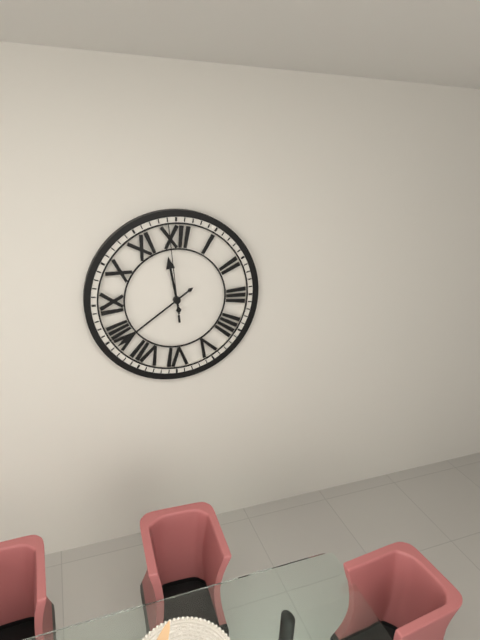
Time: **11:39:59**
